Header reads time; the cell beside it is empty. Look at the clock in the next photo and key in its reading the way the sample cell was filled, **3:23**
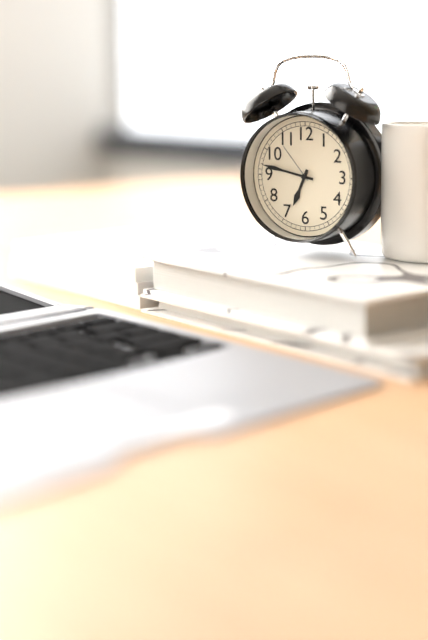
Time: **6:47**
